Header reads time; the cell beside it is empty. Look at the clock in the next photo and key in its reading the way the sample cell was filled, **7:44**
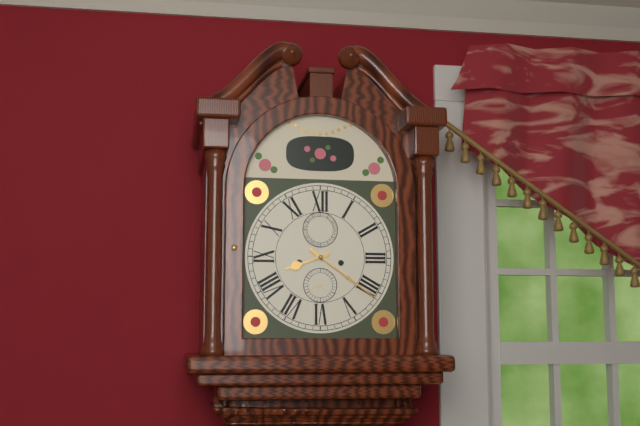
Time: **8:21**
